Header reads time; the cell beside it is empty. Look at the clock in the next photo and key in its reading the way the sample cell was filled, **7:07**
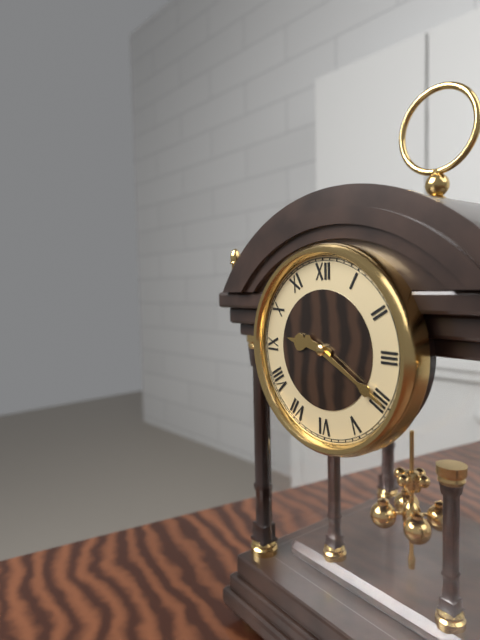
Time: **9:20**
